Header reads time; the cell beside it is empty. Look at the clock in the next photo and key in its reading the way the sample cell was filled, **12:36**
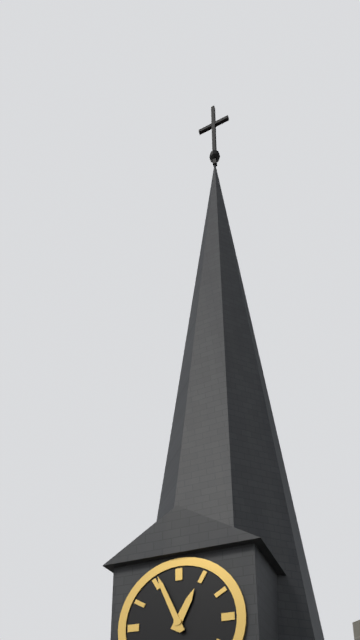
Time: **12:56**
